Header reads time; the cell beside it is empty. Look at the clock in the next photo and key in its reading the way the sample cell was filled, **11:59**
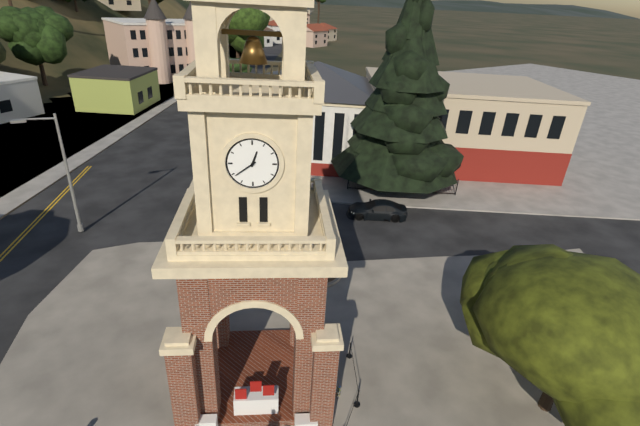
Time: **12:39**
